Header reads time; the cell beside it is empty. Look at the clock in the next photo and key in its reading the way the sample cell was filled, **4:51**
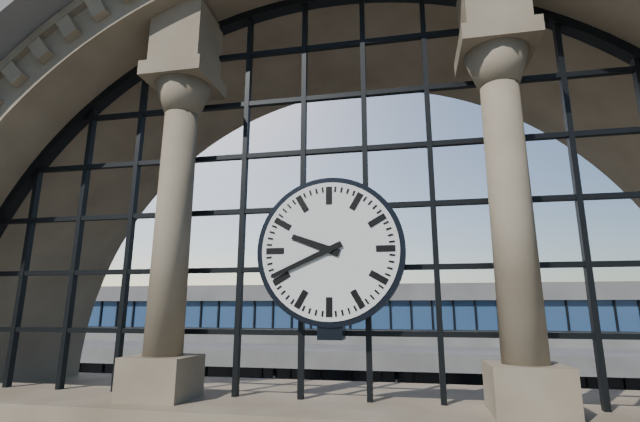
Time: **9:41**
